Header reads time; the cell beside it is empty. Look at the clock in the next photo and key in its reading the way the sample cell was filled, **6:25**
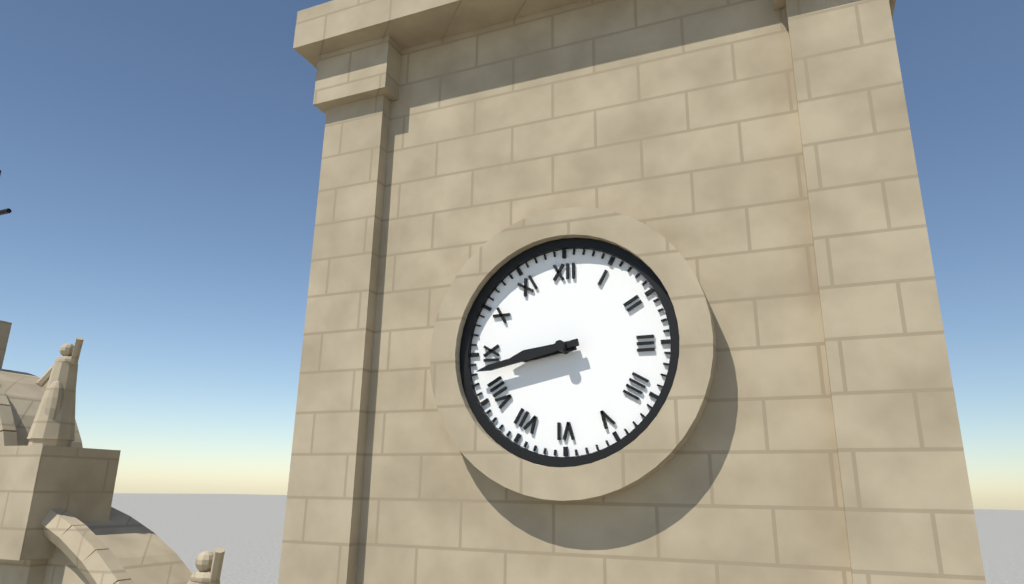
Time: **8:43**
